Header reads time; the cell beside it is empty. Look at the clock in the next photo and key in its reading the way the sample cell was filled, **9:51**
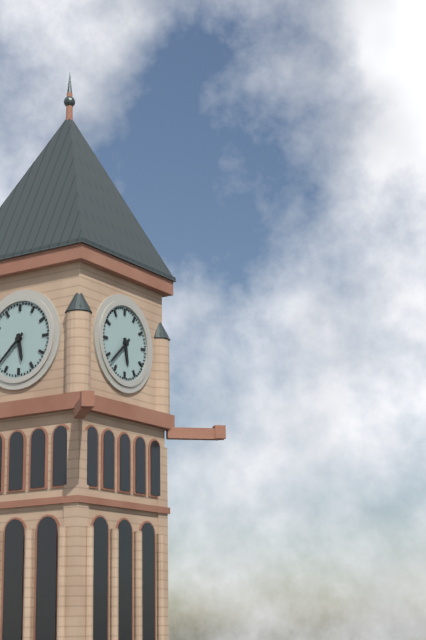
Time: **5:38**
